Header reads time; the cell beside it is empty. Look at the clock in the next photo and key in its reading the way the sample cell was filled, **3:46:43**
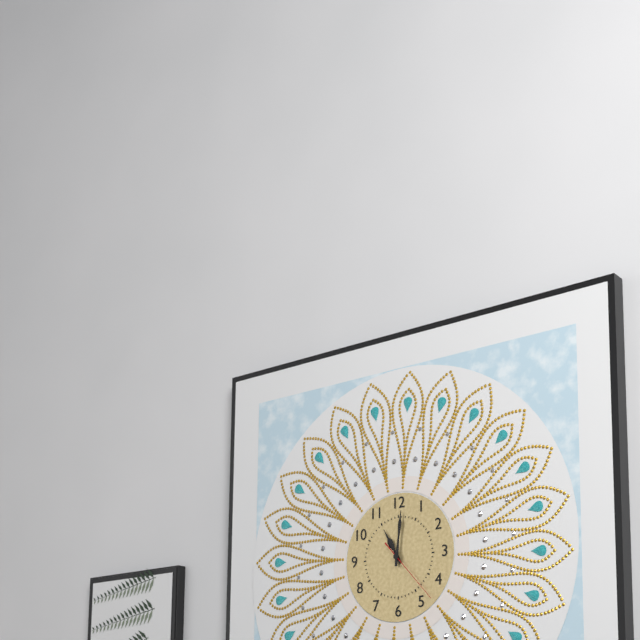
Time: **11:01:23**
